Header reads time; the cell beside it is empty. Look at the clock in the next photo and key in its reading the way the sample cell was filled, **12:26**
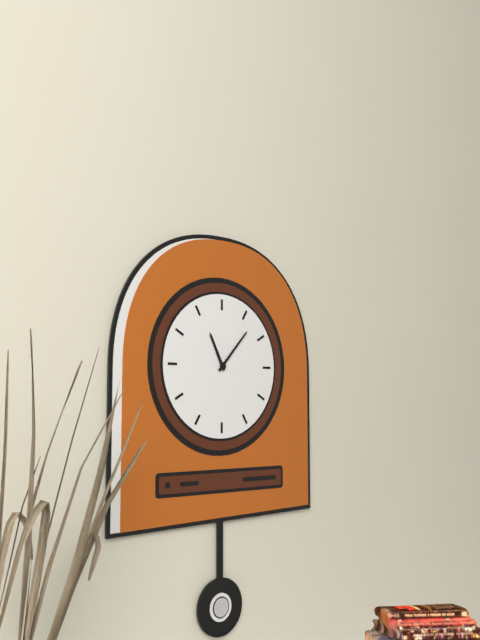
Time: **11:07**
